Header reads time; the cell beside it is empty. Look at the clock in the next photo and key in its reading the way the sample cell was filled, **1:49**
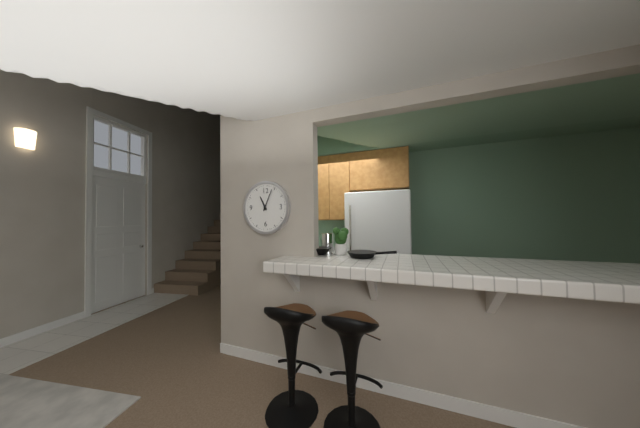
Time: **11:04**
